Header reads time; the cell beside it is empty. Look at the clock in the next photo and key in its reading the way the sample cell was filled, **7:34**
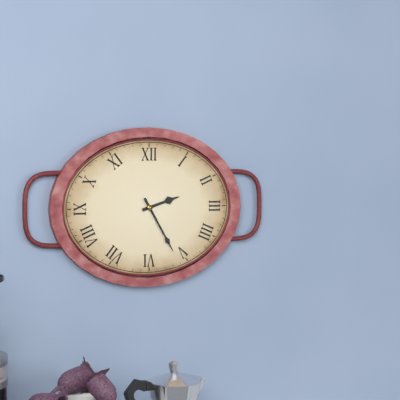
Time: **2:25**
